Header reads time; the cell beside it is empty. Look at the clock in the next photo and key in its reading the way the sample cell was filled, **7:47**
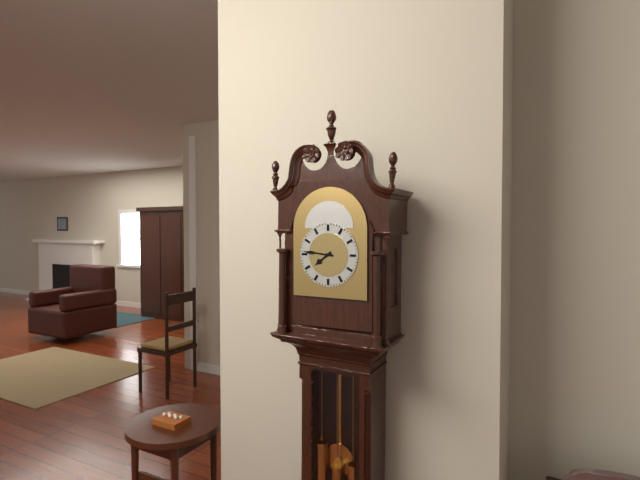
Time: **7:46**
